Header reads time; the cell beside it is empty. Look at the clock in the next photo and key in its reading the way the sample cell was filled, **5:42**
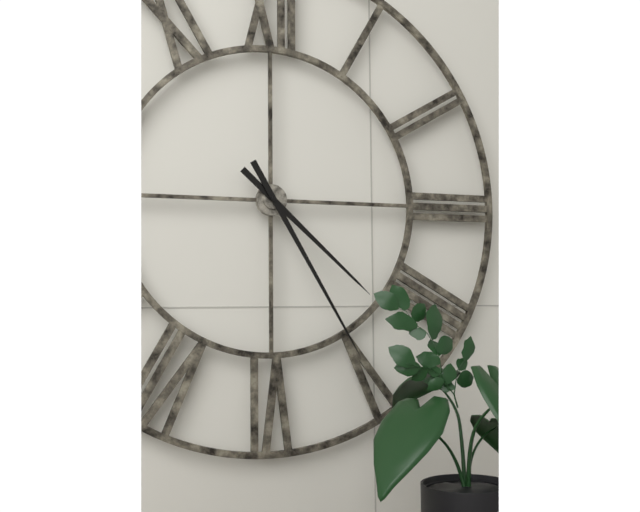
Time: **4:25**
